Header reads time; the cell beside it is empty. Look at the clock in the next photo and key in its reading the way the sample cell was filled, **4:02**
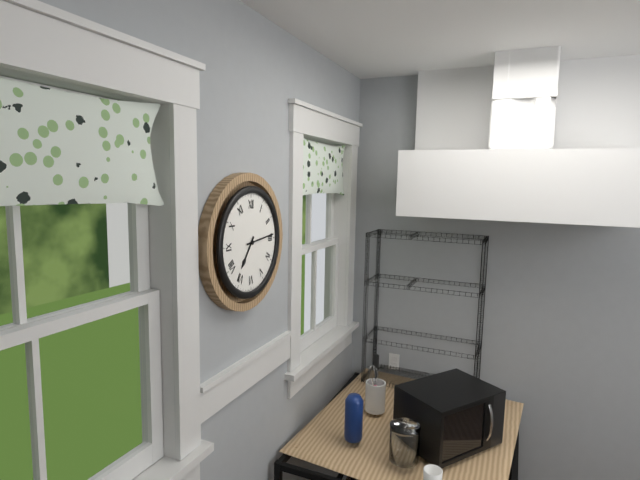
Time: **7:14**
